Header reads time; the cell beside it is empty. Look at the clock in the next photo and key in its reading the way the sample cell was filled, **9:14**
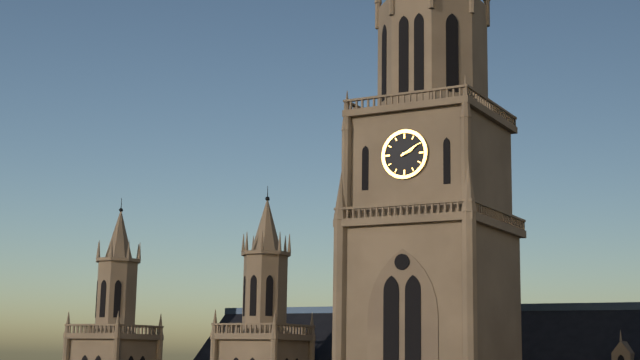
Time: **2:10**
